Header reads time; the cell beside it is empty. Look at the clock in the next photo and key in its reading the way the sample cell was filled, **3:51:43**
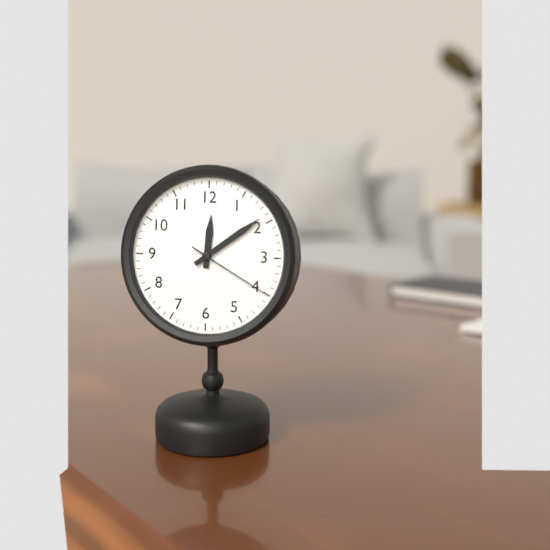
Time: **12:09:20**
